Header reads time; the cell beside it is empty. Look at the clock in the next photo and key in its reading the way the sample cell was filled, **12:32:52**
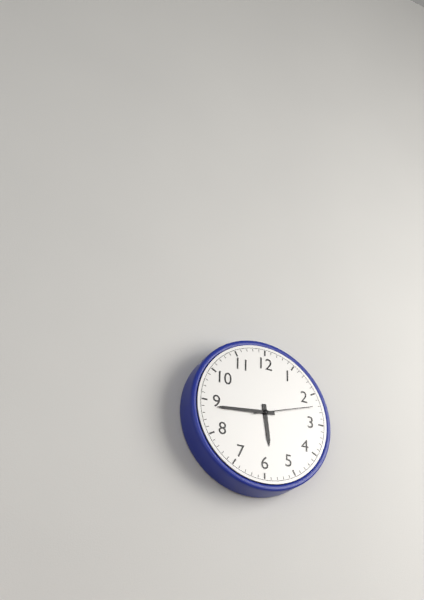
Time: **5:44:12**
